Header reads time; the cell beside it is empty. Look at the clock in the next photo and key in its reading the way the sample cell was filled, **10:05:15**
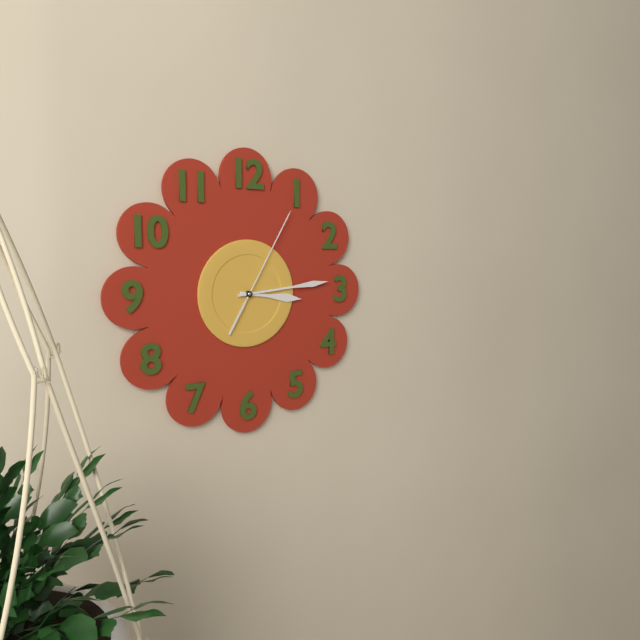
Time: **3:14:05**
